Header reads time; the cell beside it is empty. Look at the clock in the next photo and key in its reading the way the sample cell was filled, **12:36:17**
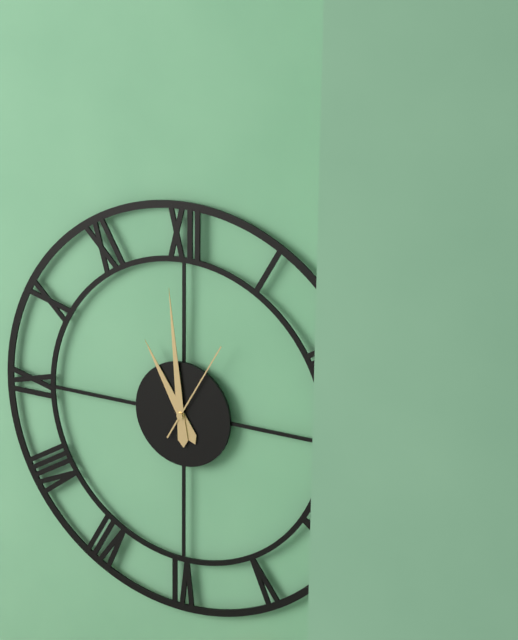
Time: **10:59:05**
